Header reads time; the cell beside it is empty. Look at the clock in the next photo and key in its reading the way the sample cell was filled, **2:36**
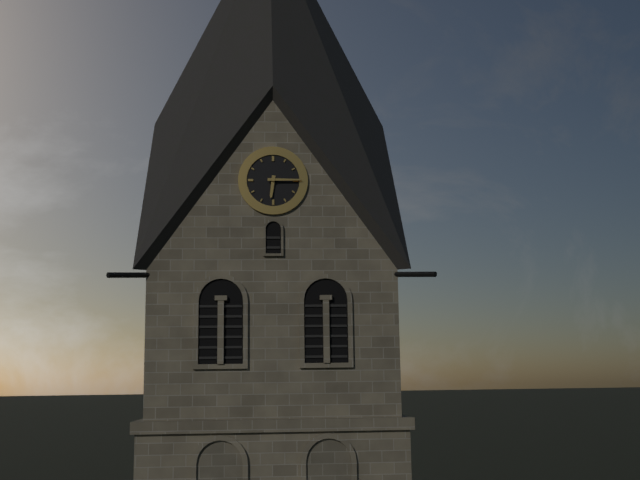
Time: **6:15**
